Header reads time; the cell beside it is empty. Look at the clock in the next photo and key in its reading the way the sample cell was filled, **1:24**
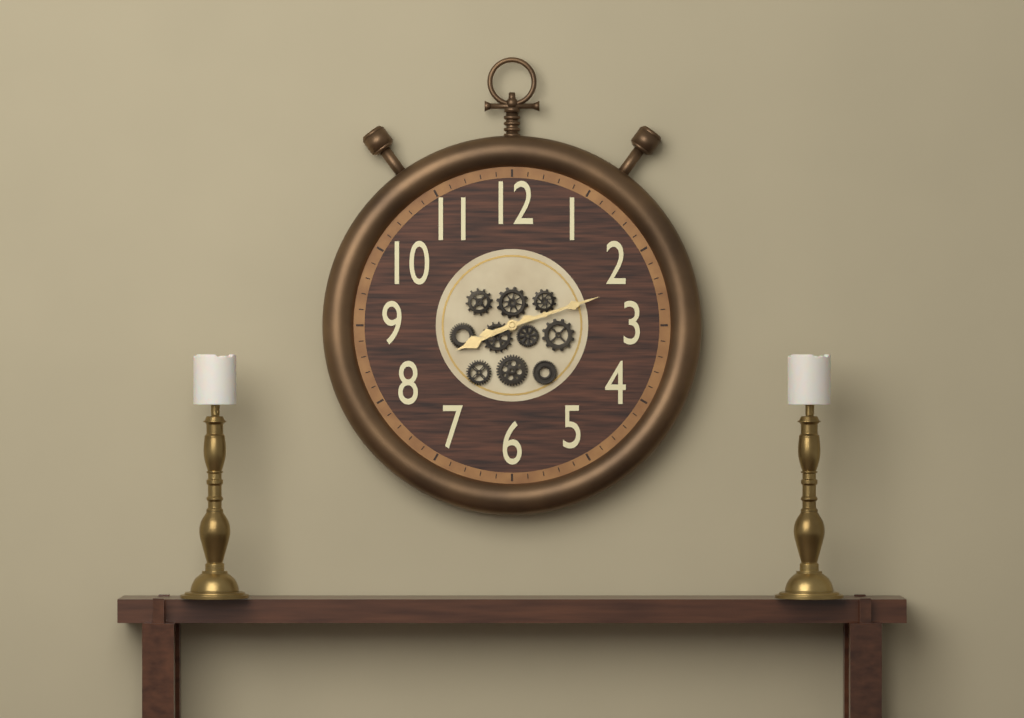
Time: **8:12**
